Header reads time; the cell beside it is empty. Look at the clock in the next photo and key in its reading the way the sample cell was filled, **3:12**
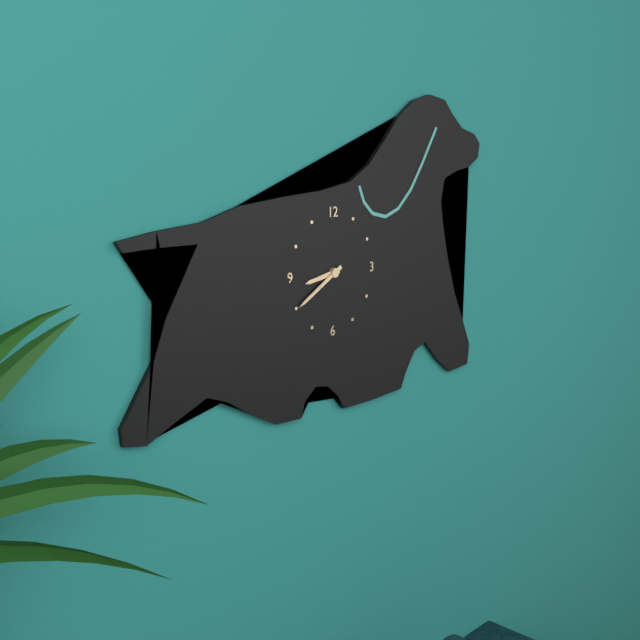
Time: **8:40**
